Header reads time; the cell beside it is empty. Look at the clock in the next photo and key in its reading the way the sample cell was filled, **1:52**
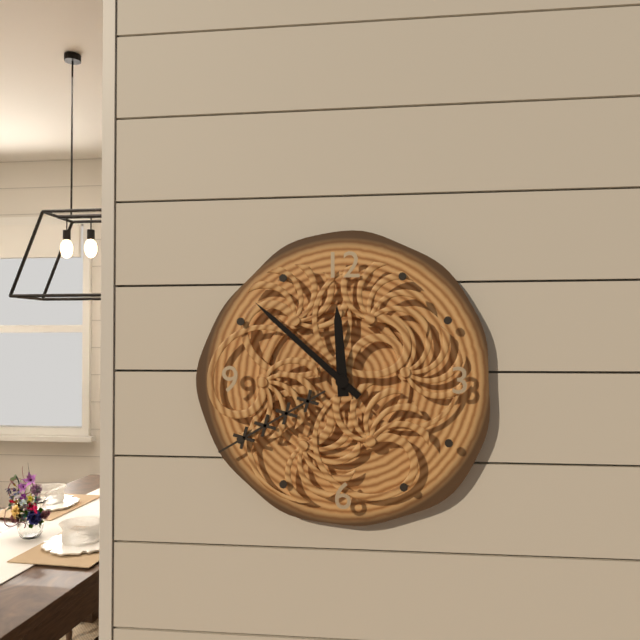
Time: **11:52**
